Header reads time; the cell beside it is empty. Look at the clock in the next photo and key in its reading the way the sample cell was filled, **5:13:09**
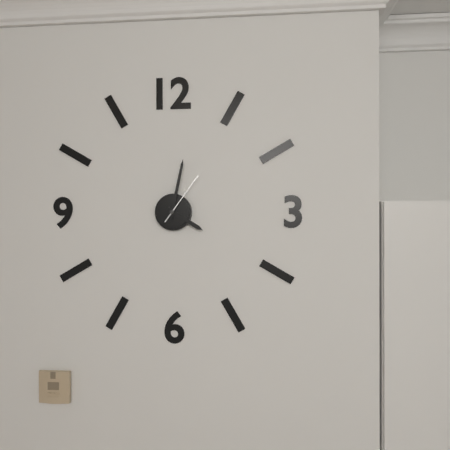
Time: **4:02:06**
